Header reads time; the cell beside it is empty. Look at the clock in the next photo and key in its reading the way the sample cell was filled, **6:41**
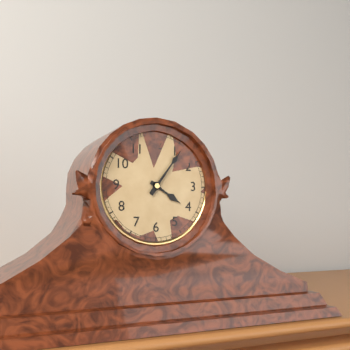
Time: **4:06**
